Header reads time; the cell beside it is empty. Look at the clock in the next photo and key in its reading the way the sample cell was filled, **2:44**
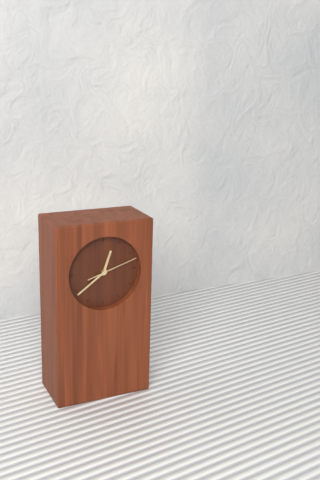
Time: **12:39**
